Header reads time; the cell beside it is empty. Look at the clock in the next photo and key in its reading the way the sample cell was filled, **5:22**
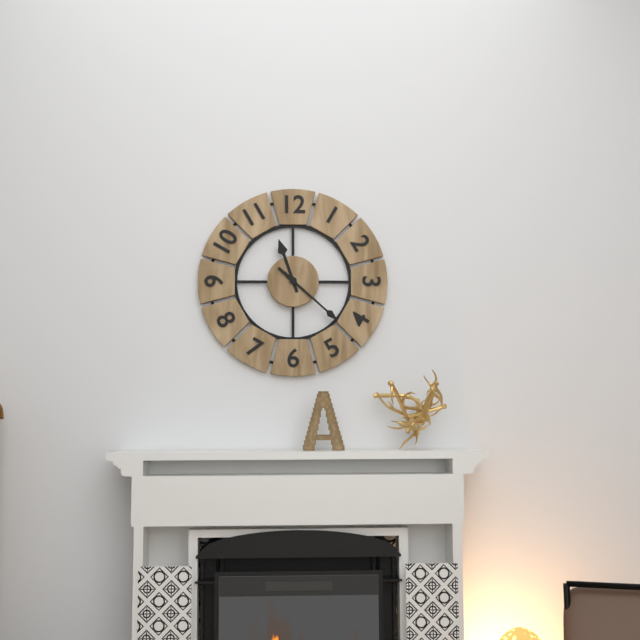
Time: **11:22**
